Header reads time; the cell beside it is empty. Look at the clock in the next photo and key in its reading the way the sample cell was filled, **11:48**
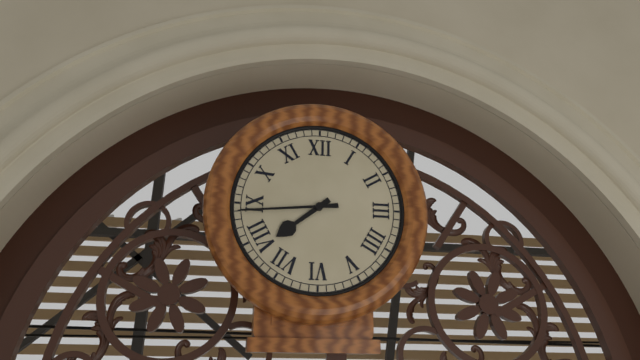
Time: **7:44**
